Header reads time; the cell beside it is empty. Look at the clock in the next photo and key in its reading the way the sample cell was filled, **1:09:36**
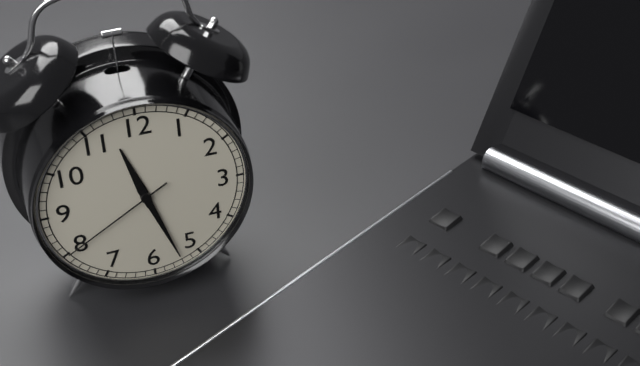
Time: **11:27:40**
